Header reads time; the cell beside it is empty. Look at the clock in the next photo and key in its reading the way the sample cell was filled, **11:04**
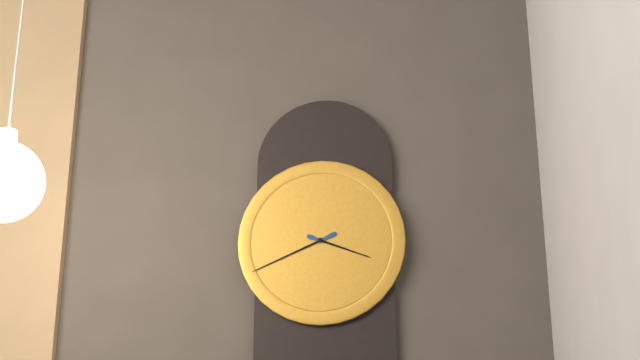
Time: **3:41**
